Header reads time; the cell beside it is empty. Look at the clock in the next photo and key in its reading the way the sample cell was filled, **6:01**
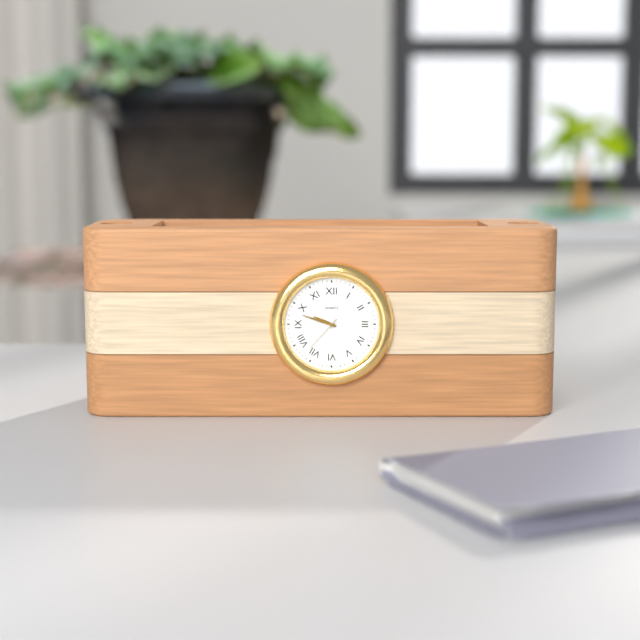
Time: **9:48**
